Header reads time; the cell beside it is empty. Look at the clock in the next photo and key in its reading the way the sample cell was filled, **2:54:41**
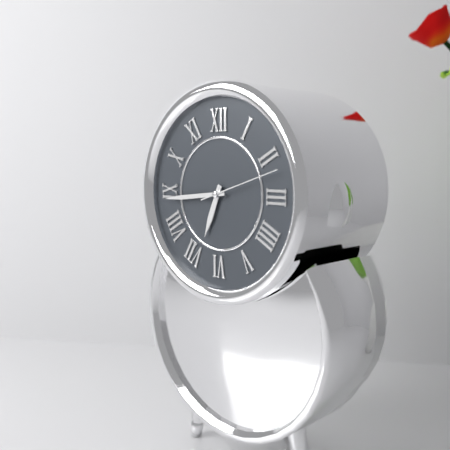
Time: **6:44:12**
